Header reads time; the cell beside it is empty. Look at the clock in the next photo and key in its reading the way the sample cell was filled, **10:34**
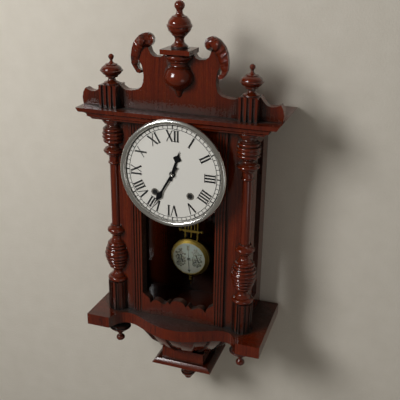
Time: **12:35**
